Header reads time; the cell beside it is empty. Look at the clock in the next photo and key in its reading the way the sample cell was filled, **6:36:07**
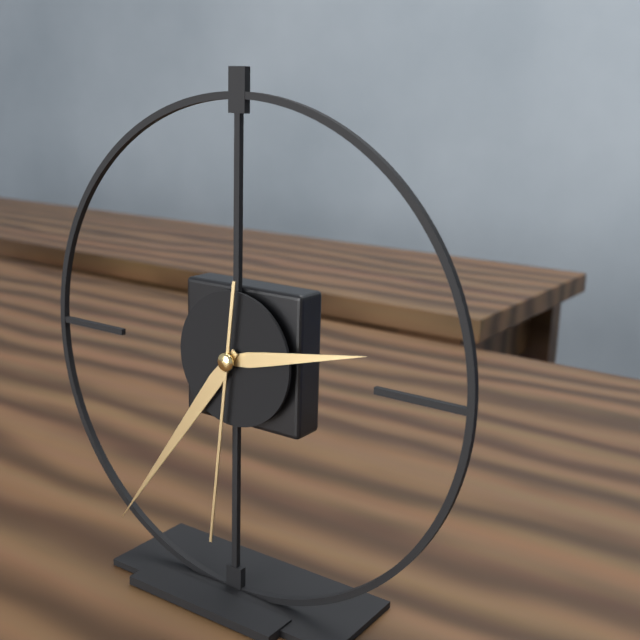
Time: **2:36:31**
